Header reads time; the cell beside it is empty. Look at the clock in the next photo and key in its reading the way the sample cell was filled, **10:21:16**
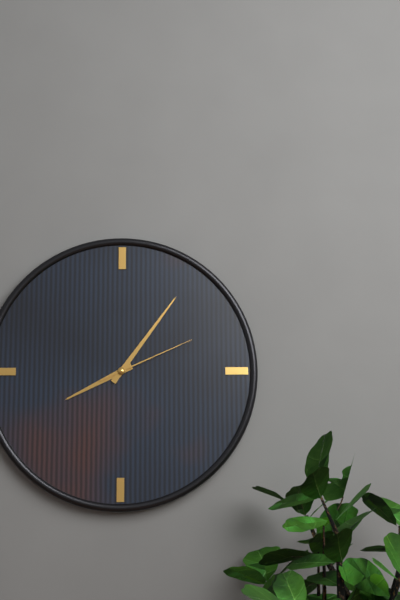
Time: **8:06:11**
